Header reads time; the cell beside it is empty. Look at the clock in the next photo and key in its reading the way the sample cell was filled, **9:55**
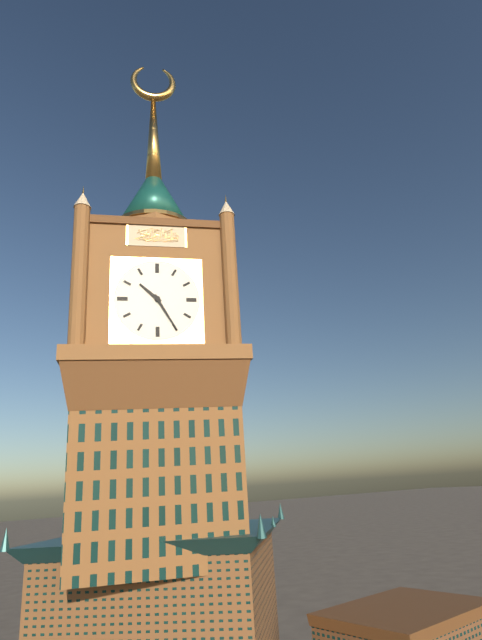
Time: **10:25**
